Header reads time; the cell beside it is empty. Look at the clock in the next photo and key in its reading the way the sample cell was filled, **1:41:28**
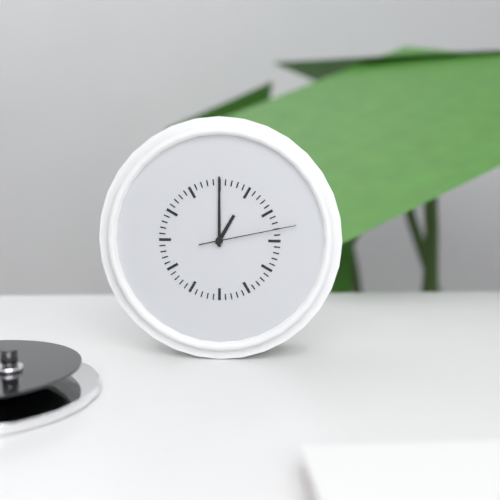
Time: **1:00:13**
